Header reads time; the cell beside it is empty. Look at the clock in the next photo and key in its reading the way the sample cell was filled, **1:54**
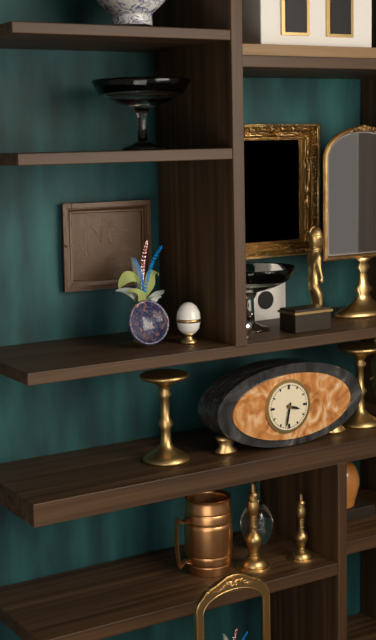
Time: **3:32**
